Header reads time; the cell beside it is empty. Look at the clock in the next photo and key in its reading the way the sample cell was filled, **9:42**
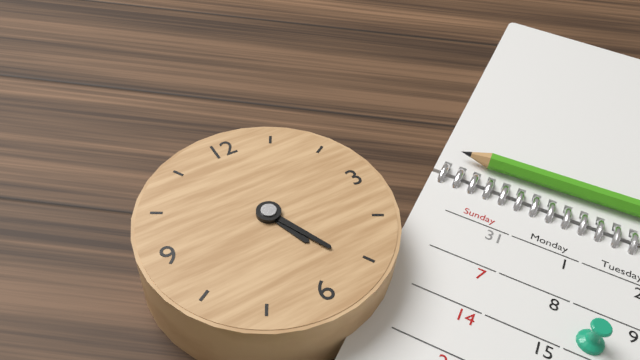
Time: **5:26**
